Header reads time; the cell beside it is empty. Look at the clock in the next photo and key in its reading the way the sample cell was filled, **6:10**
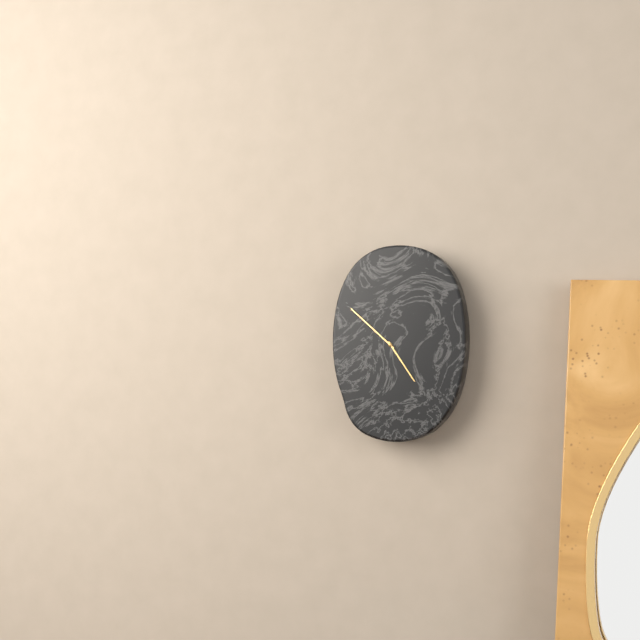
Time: **4:52**
